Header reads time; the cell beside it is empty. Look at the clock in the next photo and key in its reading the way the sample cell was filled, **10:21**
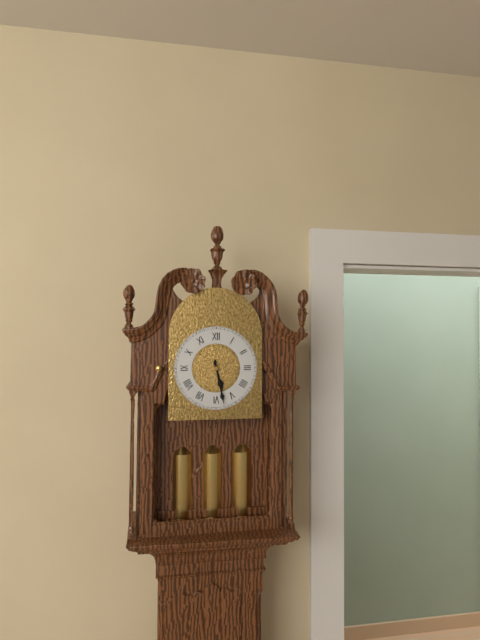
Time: **5:28**
